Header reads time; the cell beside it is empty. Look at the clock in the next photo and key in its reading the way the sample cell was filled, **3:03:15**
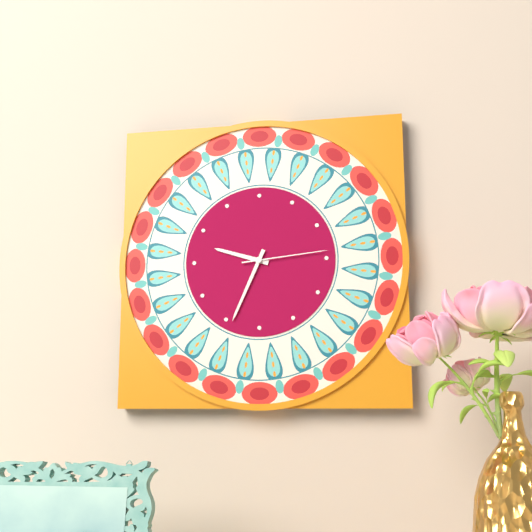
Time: **9:34:14**
